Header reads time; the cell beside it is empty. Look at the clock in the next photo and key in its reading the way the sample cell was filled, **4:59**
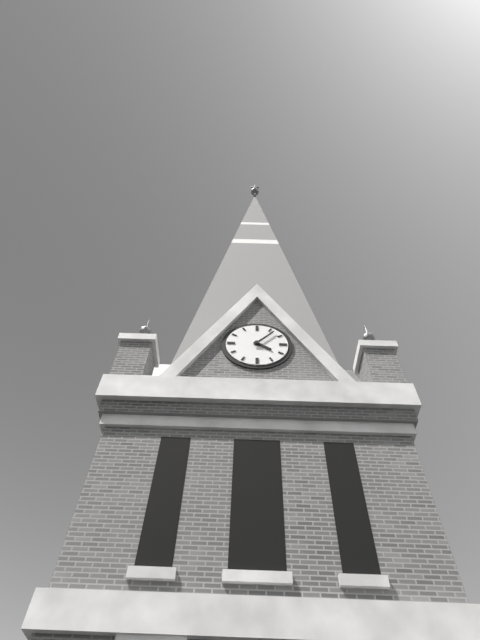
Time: **4:07**
